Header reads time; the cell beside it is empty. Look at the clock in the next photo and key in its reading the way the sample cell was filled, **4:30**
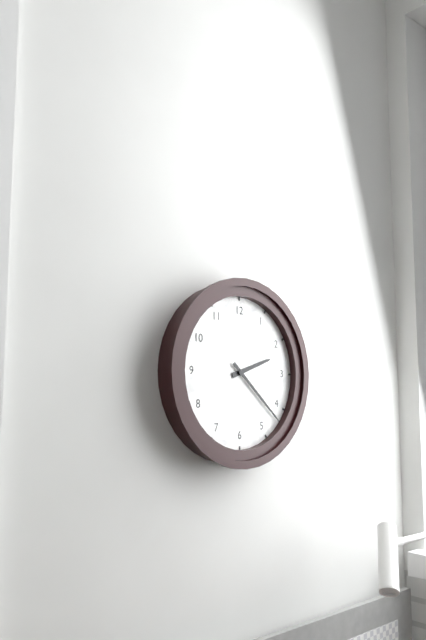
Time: **2:22**
